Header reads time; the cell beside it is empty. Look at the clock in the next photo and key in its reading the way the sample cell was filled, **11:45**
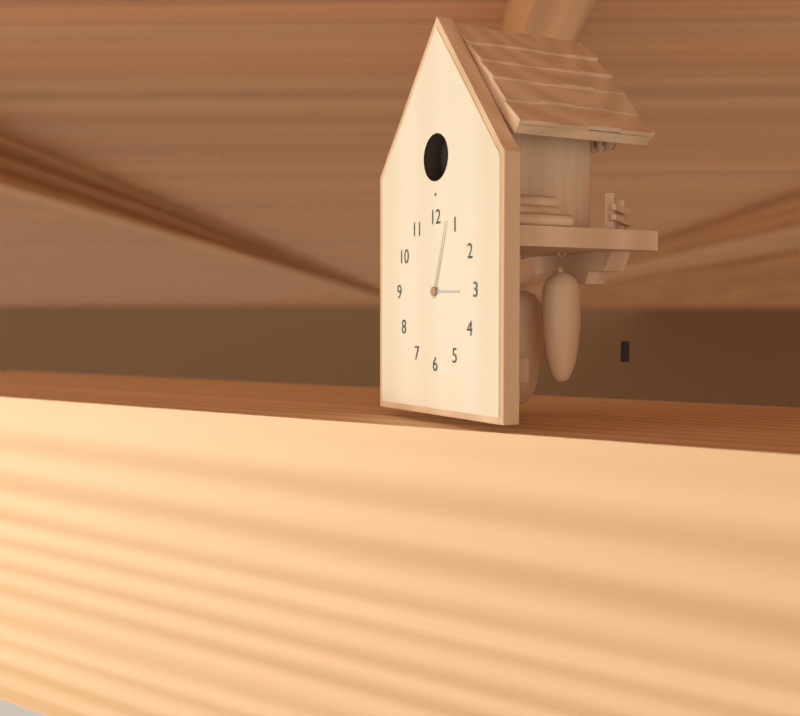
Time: **3:03**
